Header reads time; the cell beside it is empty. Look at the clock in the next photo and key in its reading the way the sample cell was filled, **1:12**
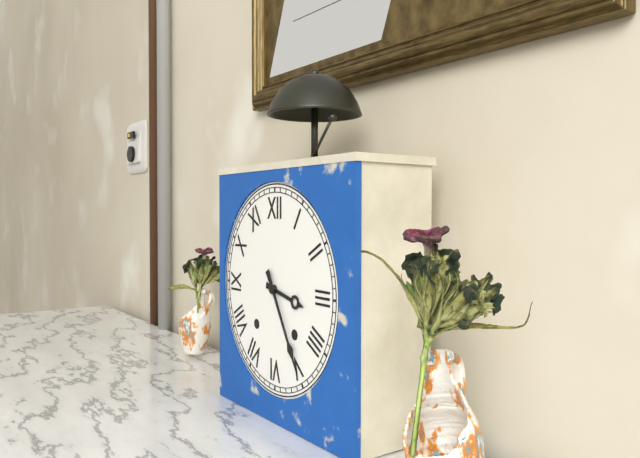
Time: **3:25**
